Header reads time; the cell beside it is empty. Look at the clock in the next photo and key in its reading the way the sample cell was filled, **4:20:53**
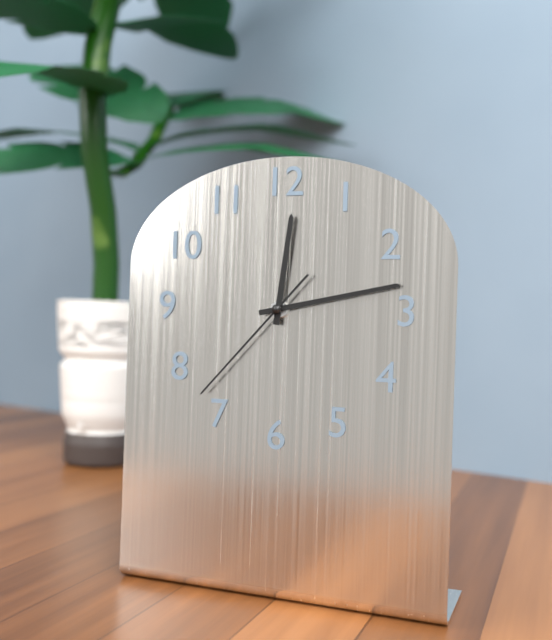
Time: **12:13:37**
